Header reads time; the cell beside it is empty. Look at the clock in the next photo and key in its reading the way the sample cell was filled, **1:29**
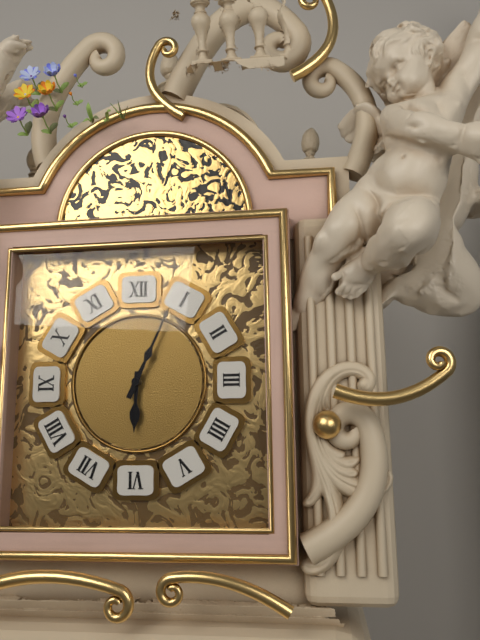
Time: **6:04**
